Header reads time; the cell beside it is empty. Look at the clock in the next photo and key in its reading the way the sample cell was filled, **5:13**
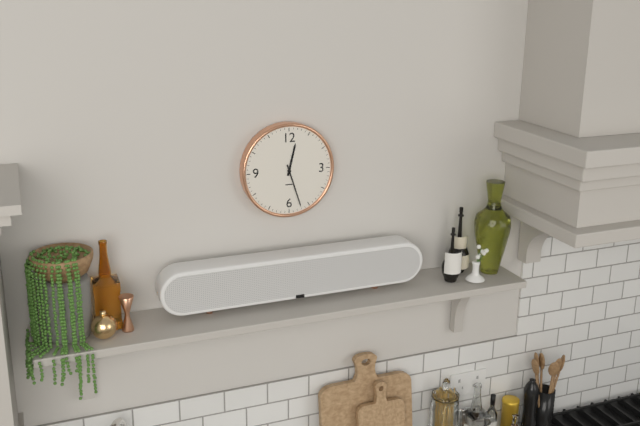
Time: **12:27**
